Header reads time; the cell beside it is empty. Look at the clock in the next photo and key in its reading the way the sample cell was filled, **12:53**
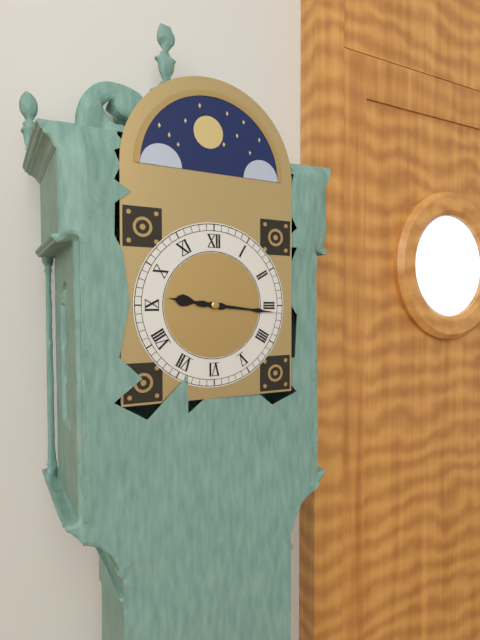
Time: **9:16**
